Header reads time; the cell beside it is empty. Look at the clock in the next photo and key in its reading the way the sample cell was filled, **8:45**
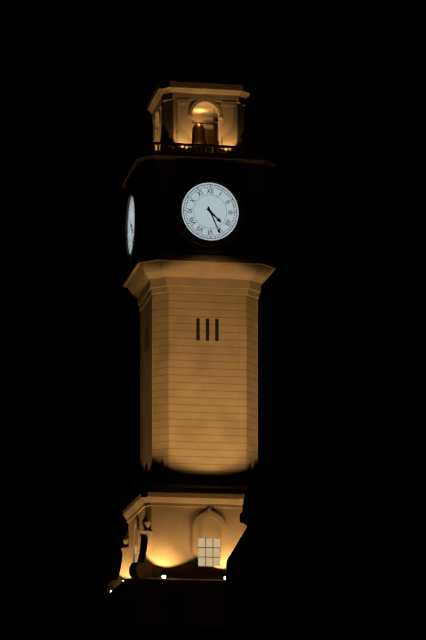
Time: **4:26**
